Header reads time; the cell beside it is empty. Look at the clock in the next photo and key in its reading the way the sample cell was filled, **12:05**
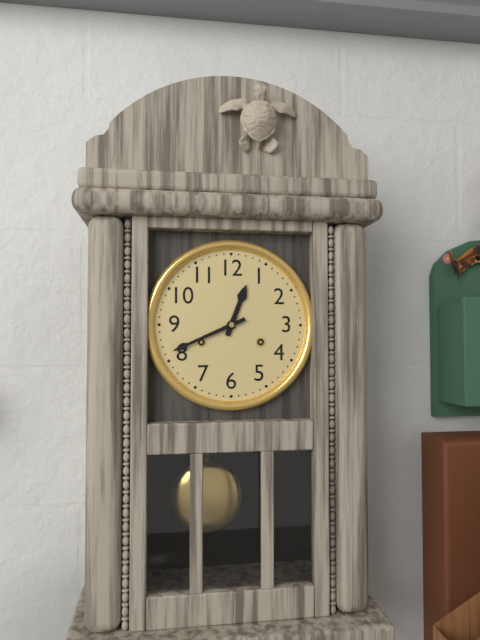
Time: **12:41**
